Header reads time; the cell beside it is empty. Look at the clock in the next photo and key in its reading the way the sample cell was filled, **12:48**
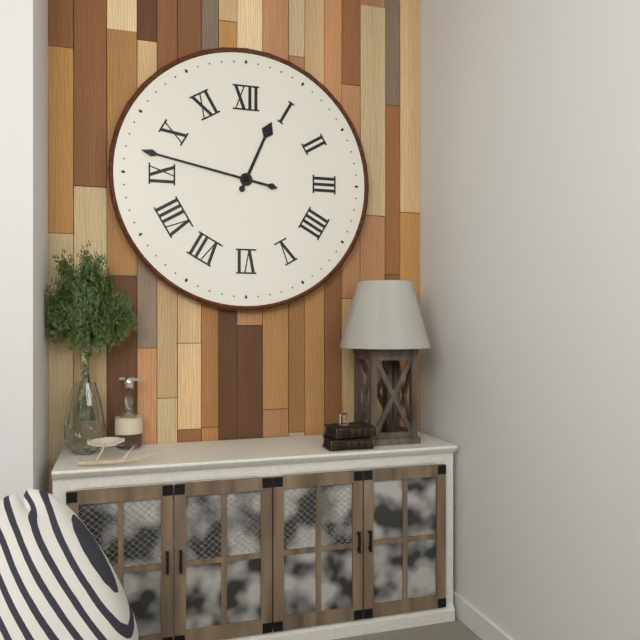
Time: **12:47**
